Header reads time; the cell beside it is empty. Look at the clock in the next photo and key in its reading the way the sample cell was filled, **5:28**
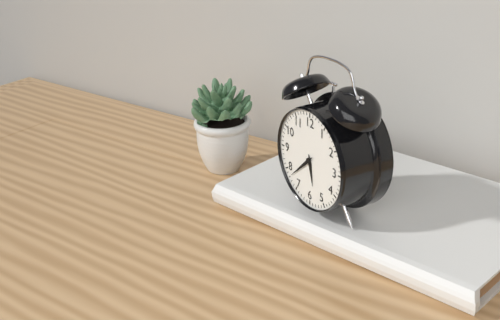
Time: **5:38**
